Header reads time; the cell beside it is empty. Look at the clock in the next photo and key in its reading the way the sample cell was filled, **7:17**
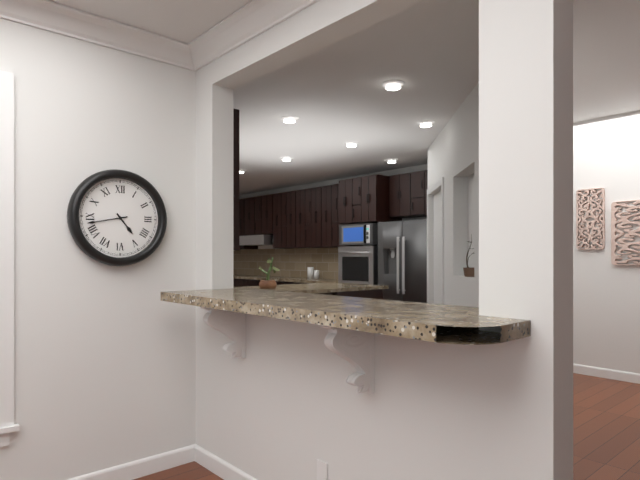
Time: **4:43**
